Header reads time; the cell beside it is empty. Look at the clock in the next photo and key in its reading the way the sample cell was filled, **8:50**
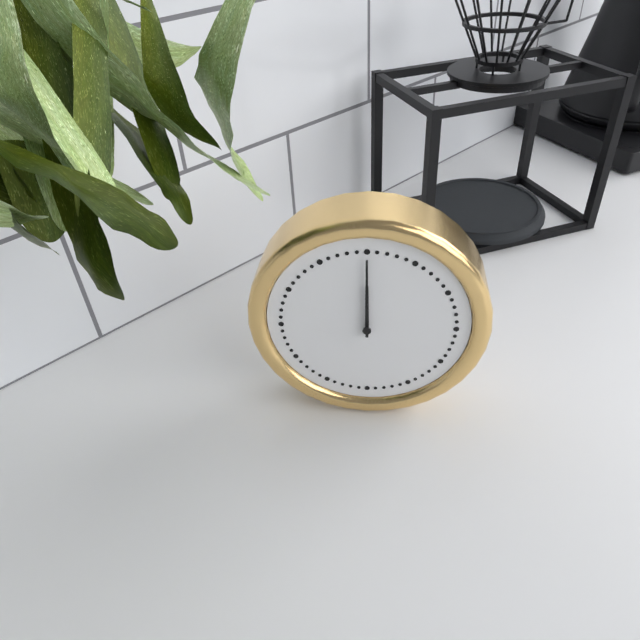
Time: **12:00**
